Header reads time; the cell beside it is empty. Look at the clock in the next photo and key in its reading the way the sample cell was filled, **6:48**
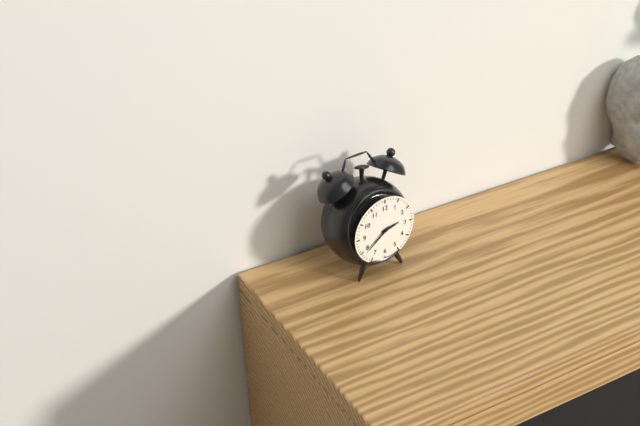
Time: **2:39**
